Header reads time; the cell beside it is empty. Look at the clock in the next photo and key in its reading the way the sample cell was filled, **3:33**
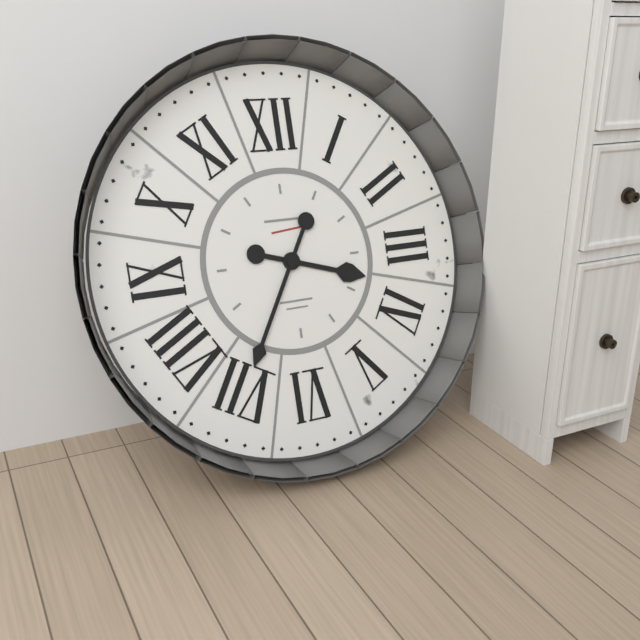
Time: **3:35**
